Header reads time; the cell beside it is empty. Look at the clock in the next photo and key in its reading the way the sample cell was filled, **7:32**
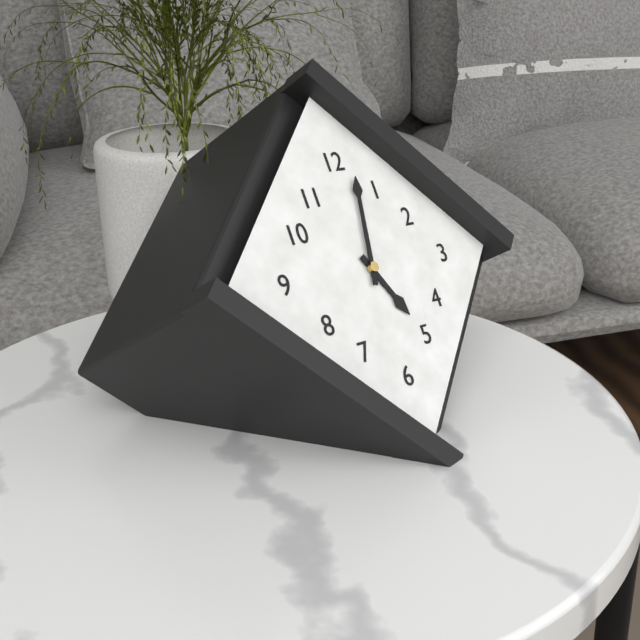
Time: **5:02**
